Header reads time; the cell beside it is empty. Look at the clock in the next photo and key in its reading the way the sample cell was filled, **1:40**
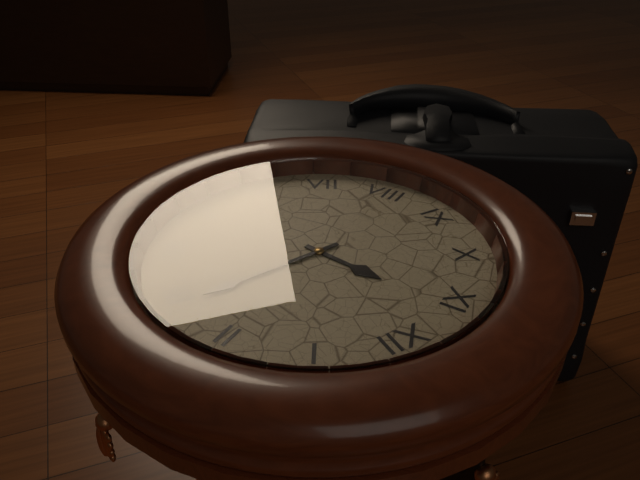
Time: **11:14**
